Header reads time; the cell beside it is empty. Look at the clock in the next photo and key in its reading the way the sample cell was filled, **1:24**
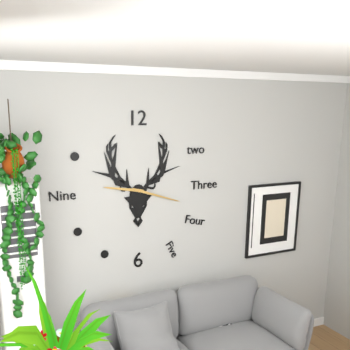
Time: **9:18**
